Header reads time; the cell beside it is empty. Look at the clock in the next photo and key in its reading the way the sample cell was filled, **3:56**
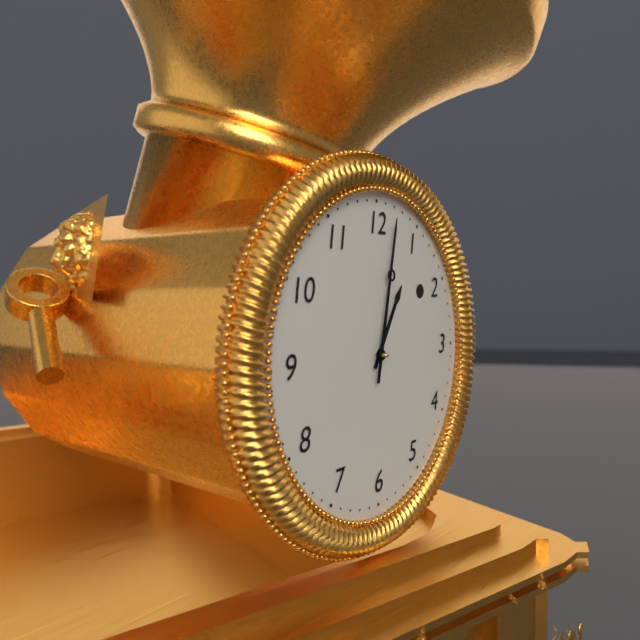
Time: **1:02**
